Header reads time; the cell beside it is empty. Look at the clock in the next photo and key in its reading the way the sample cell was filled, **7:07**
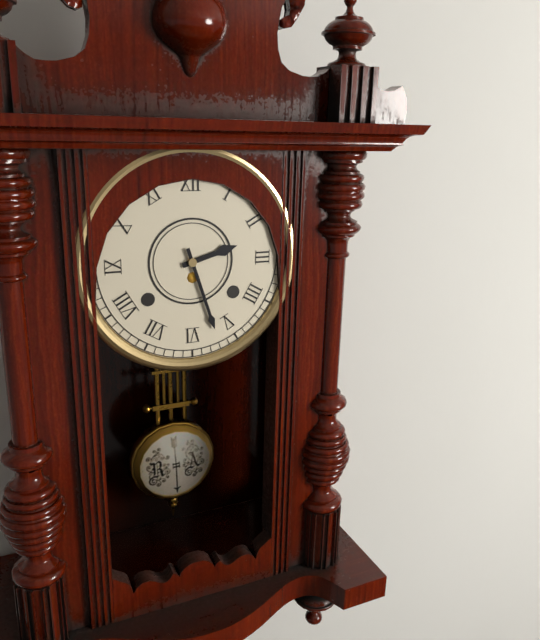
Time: **2:27**
